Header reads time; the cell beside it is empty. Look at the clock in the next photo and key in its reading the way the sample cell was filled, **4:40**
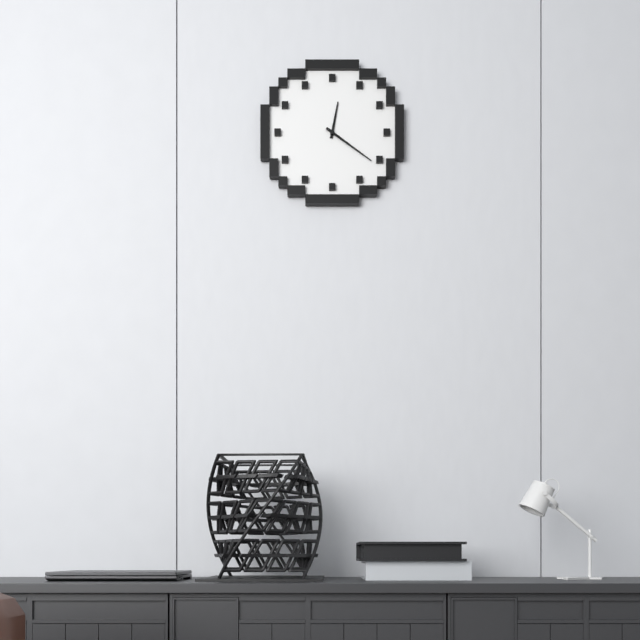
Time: **12:21**
